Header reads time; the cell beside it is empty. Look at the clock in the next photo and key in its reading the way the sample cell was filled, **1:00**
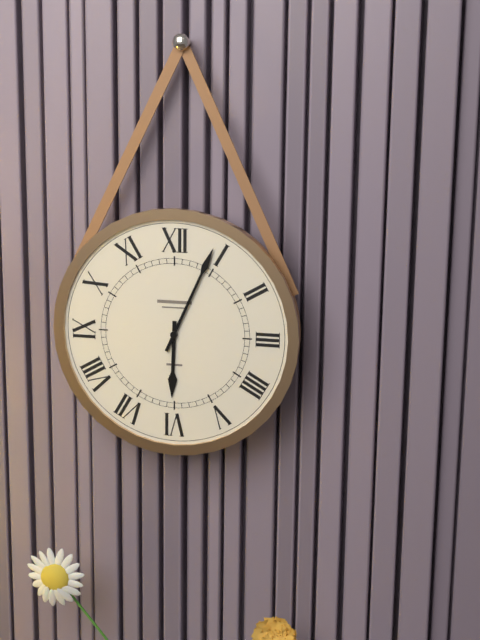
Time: **6:04**
